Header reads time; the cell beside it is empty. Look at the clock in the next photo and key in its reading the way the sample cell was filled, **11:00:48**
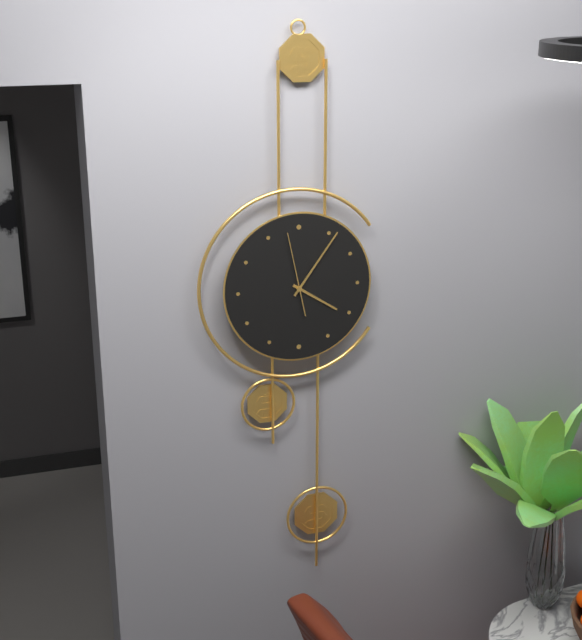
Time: **4:06:58**
